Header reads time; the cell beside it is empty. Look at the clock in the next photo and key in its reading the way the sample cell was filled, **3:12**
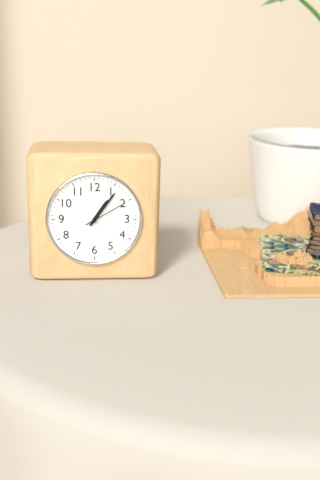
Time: **1:06**
